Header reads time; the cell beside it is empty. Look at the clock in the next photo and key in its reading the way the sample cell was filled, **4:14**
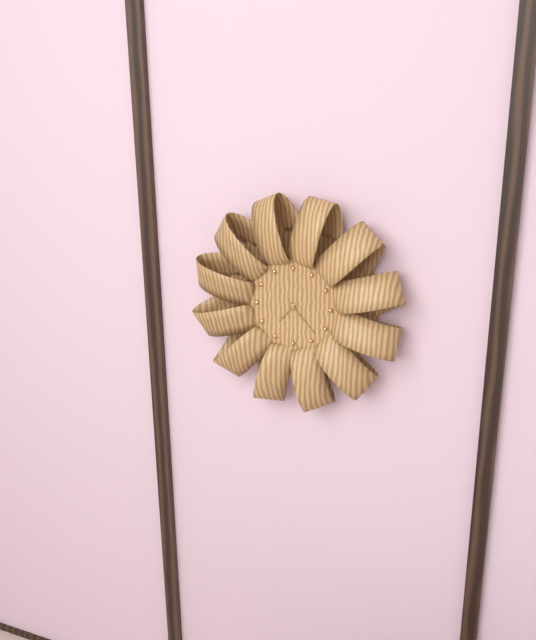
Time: **7:23**
